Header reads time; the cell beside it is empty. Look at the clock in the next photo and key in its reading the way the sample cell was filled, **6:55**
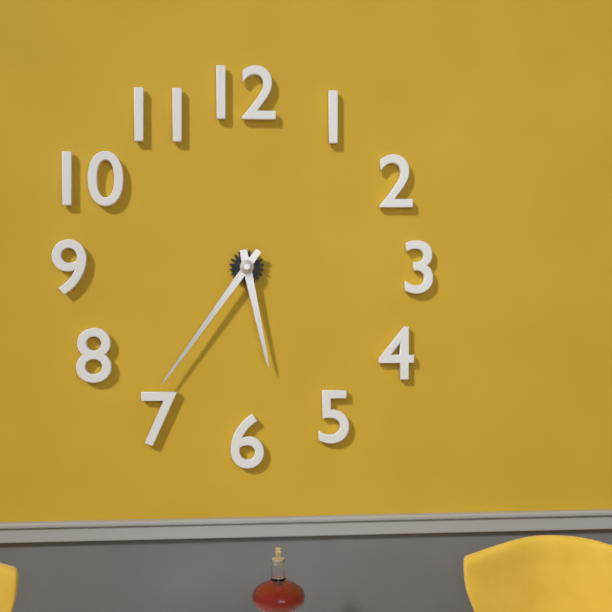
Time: **5:36**
